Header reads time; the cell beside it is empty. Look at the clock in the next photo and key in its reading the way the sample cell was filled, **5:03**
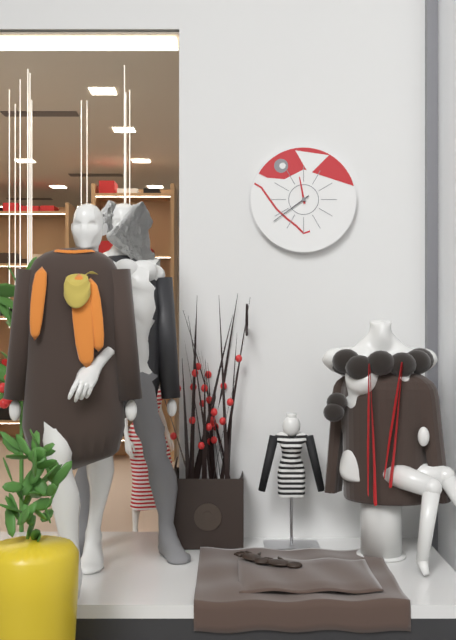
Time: **11:39**
